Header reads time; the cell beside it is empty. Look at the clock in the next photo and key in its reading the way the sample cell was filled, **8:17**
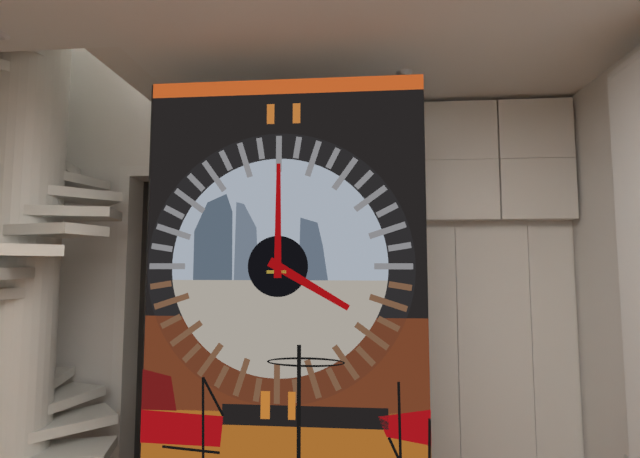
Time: **4:00**
